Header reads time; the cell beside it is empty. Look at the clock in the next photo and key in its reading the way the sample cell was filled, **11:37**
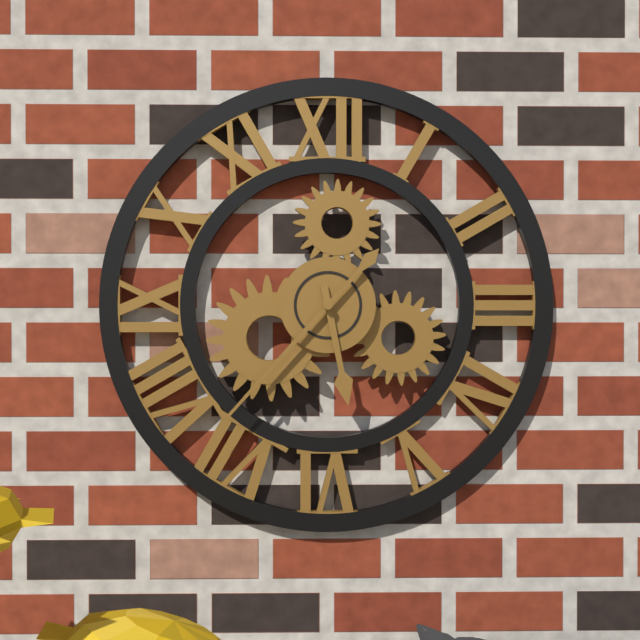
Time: **5:37**
